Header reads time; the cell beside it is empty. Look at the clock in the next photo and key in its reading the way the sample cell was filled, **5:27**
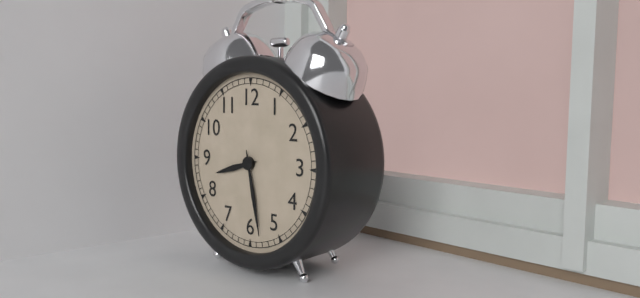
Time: **8:28**
